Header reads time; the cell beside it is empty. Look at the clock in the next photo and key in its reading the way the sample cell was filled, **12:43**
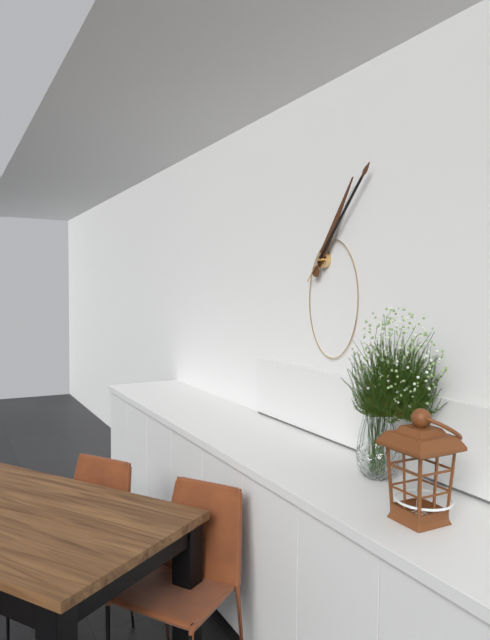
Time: **1:07**
